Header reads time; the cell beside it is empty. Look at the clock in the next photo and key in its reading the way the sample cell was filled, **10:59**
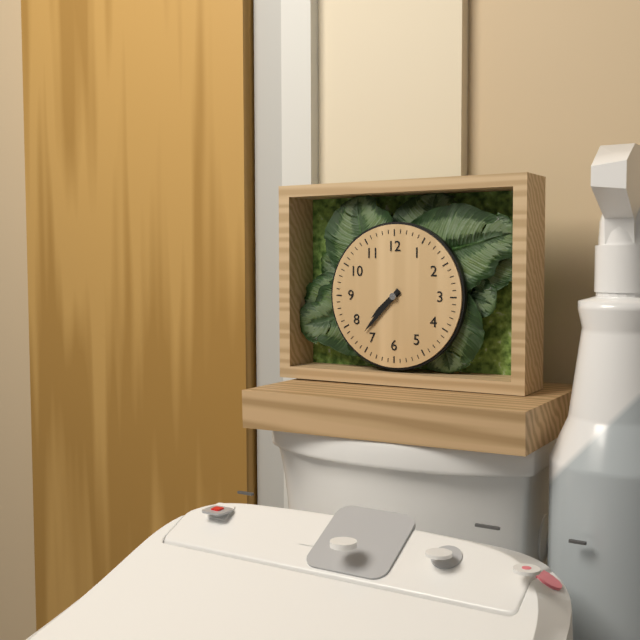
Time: **7:37**
